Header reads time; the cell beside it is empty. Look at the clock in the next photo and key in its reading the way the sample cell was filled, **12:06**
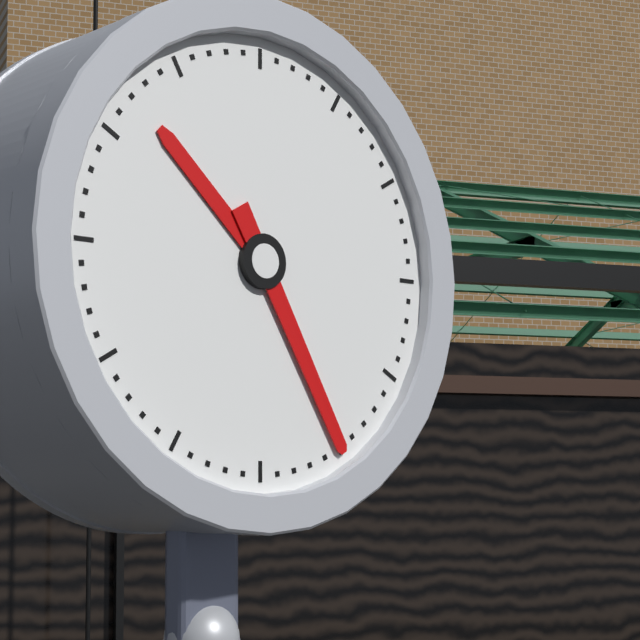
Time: **10:25**
